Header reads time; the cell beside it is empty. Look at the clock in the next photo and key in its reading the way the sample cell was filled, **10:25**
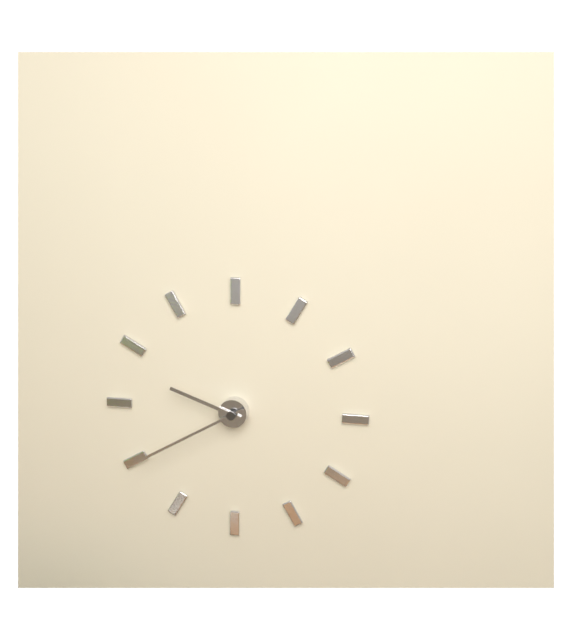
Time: **9:40**
